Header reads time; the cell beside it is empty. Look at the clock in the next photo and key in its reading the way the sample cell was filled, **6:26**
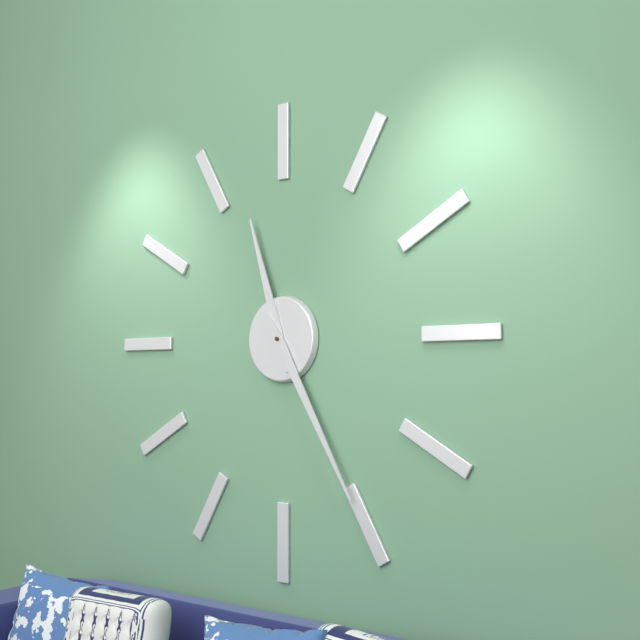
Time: **11:25**
